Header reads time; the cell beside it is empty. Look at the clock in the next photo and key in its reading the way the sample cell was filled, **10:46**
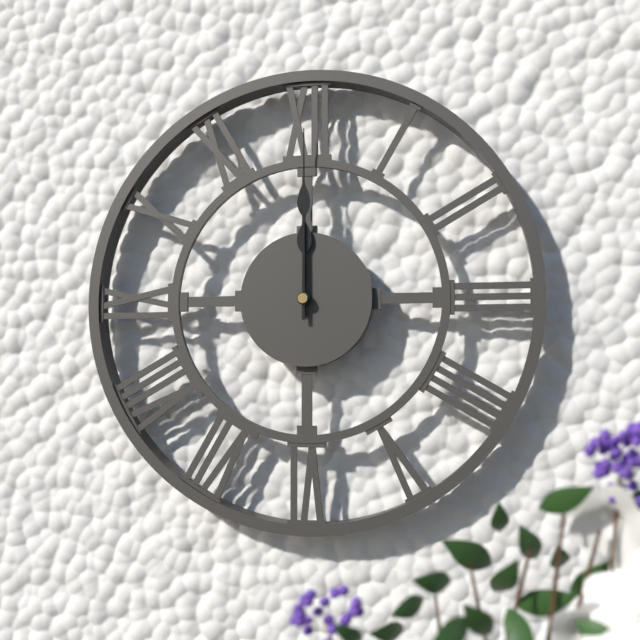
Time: **12:00**
